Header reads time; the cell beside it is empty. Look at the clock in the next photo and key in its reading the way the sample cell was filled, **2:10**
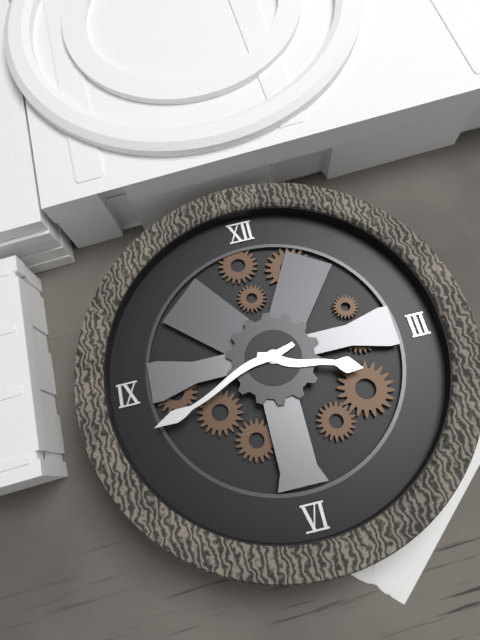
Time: **3:42**
